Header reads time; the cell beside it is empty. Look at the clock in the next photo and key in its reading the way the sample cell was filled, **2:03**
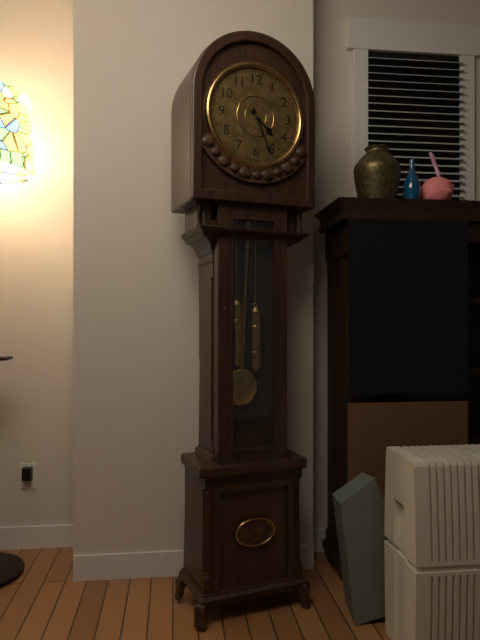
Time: **4:26**
